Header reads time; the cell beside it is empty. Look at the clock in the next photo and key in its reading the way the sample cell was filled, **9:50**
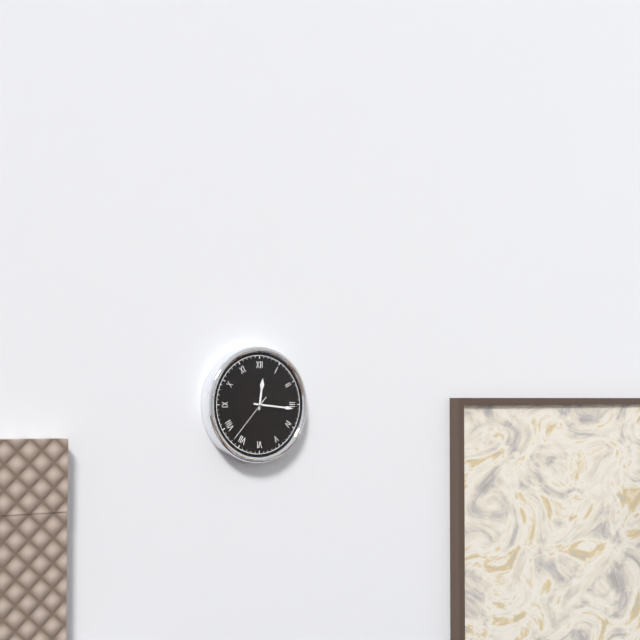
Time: **12:16**
